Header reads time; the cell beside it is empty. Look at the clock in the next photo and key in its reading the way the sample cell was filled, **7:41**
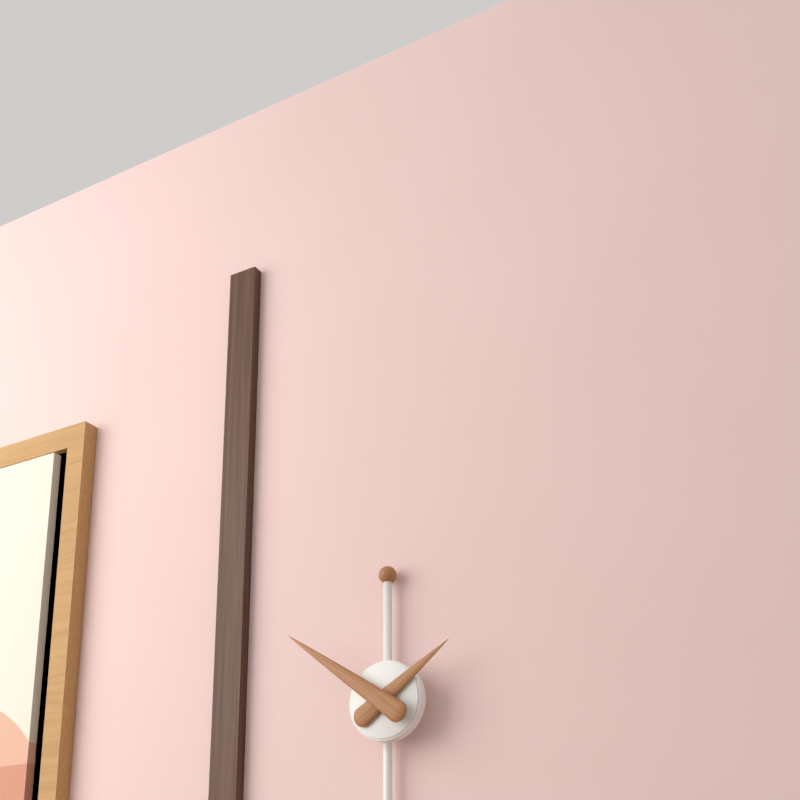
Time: **1:51**
